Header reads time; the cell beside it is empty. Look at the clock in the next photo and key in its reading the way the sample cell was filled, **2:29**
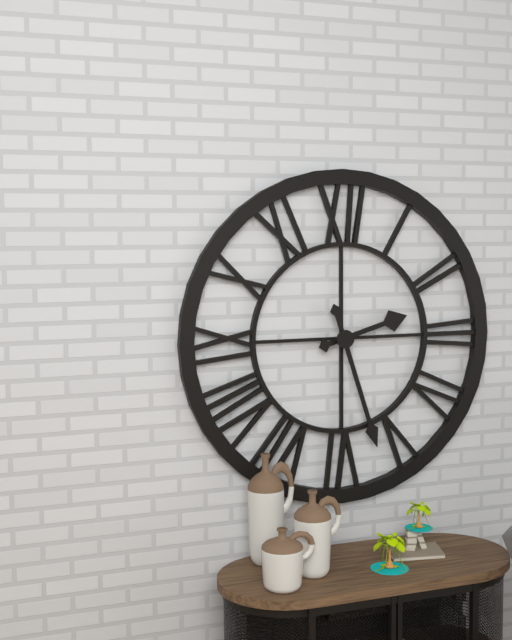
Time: **2:27**
